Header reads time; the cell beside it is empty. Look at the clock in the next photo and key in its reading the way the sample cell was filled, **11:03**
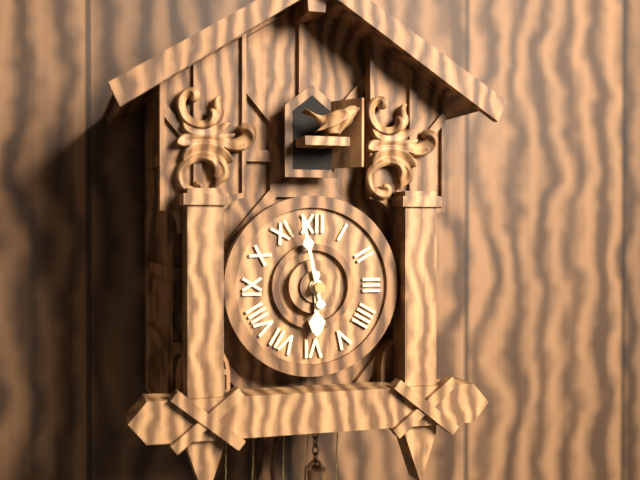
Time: **5:58**
